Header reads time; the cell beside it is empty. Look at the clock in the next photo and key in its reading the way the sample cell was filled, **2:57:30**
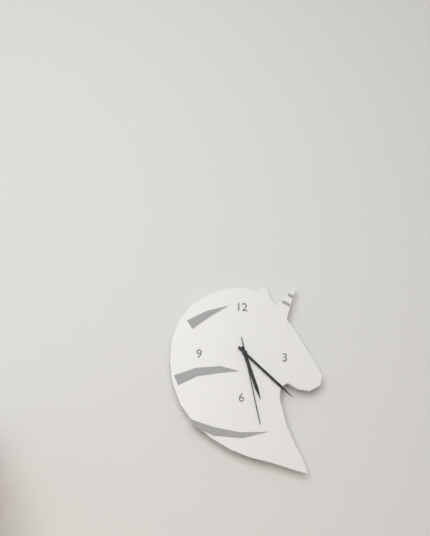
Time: **5:22:28**
